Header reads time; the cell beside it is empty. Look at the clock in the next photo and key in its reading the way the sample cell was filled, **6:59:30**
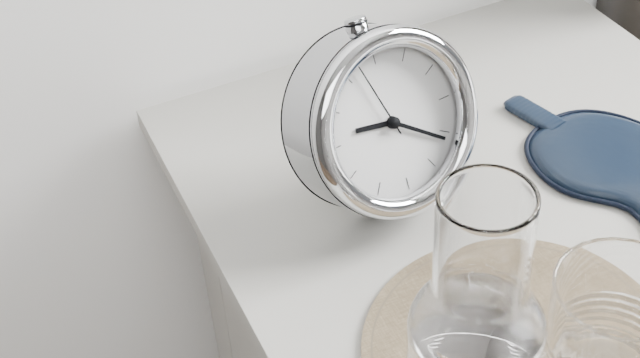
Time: **9:21:57**
